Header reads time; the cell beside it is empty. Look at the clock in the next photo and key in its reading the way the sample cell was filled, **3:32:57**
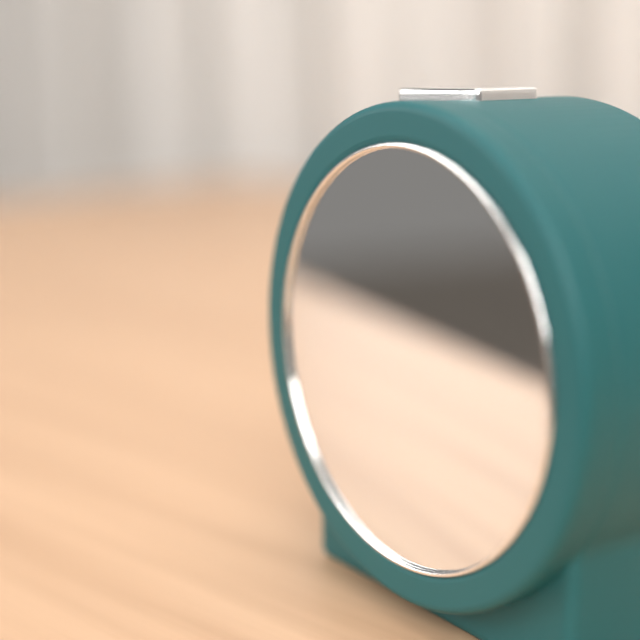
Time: **6:40:43**
